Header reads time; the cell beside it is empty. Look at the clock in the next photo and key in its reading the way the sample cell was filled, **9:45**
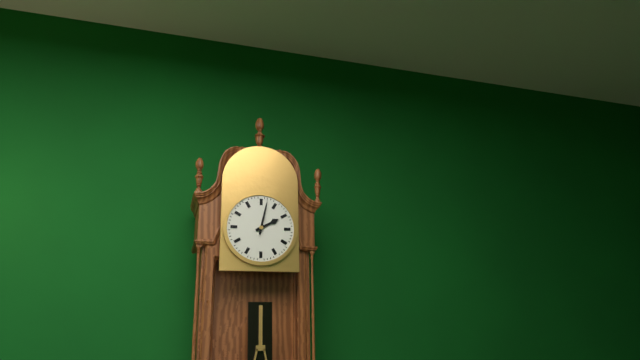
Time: **2:02**
